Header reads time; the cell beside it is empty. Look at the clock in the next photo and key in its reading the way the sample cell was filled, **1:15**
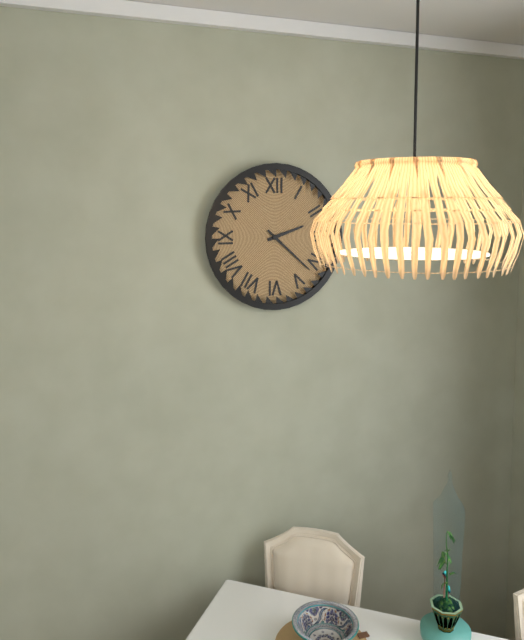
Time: **2:22**
